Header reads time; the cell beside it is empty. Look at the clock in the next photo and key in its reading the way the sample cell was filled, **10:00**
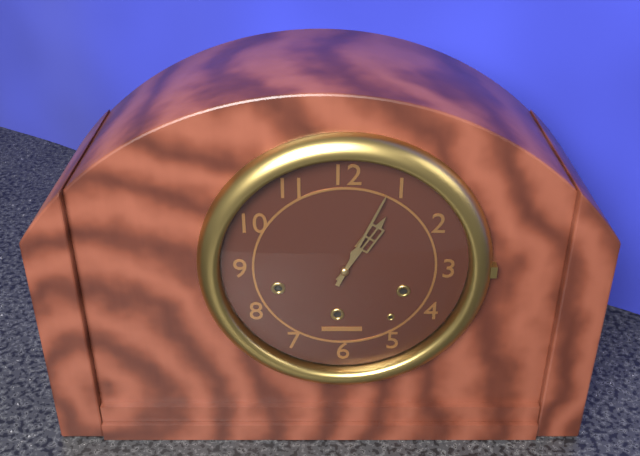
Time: **1:04**
